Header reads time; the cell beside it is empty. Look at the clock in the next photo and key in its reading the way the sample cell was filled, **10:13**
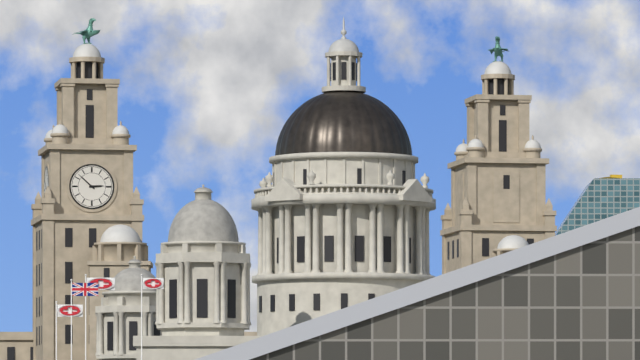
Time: **2:52**
